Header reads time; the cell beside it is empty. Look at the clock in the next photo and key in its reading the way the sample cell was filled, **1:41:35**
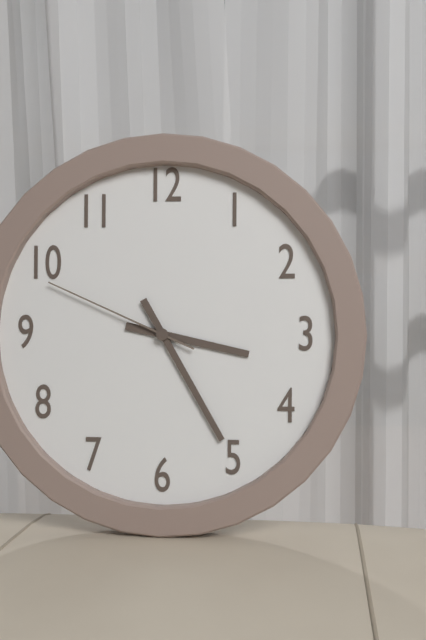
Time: **3:25:49**
